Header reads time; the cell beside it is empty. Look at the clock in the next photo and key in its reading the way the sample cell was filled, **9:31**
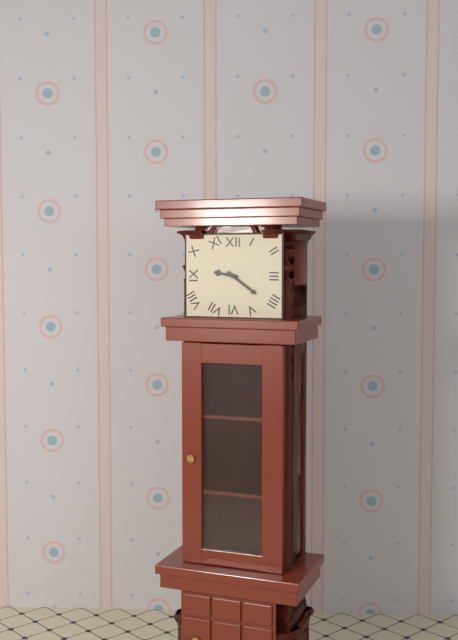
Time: **9:21**
